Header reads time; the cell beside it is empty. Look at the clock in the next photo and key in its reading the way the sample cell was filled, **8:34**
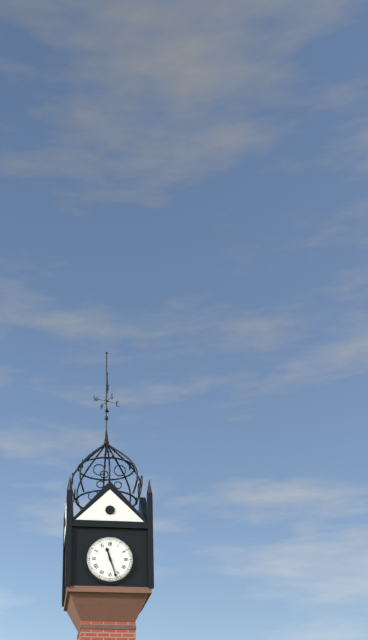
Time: **11:27**
